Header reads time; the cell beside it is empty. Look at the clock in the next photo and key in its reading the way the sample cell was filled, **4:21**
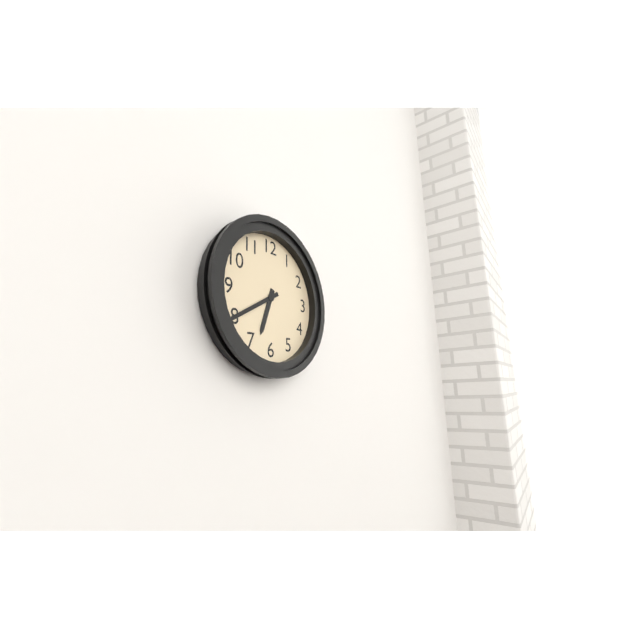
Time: **6:40**
